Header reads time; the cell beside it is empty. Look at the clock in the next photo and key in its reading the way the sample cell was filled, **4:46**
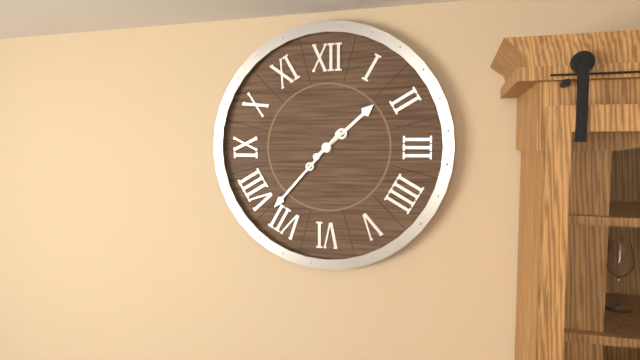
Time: **1:37**
